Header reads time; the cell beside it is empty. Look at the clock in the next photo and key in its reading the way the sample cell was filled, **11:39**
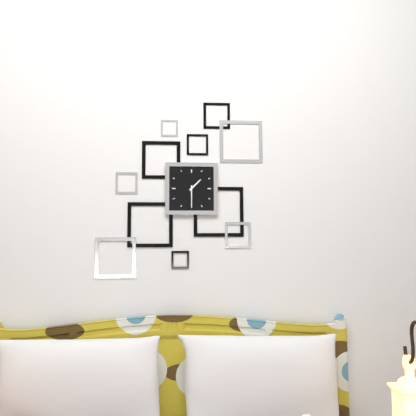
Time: **1:30**
